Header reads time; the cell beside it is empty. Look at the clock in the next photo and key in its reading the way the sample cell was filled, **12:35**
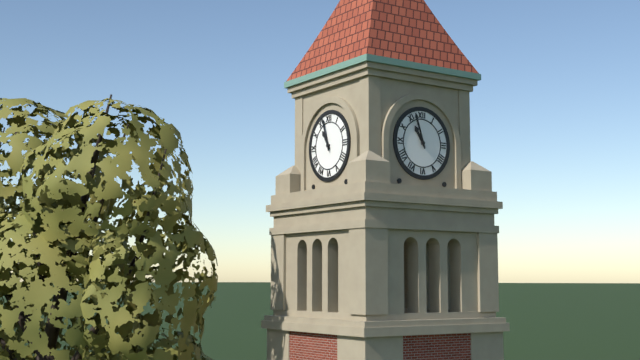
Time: **10:57**
